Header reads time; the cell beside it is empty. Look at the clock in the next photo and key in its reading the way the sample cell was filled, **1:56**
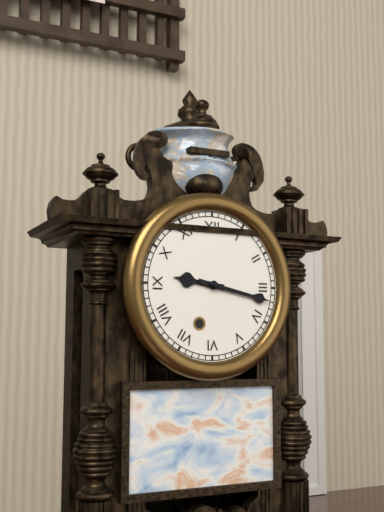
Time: **9:17**
